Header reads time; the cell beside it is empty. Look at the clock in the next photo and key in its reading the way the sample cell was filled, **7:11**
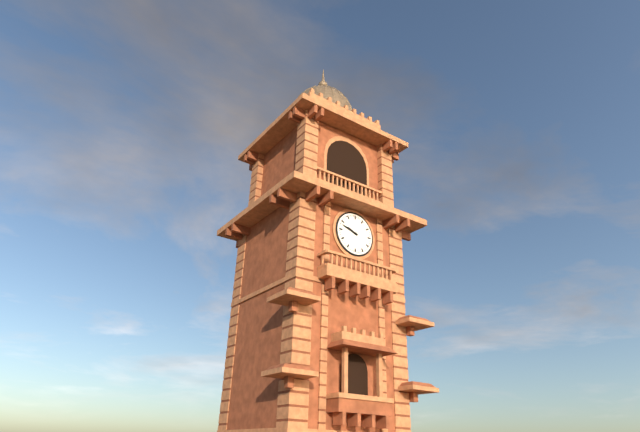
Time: **9:48**
